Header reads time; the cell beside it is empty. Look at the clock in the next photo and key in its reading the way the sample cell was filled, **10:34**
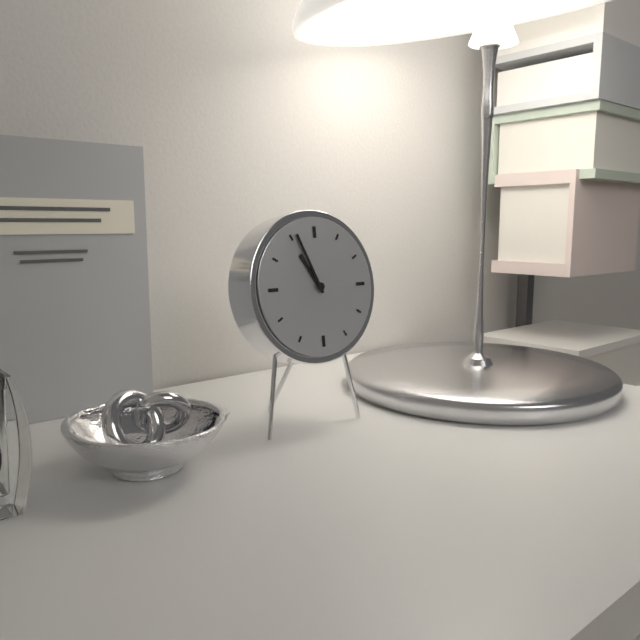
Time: **10:56**
